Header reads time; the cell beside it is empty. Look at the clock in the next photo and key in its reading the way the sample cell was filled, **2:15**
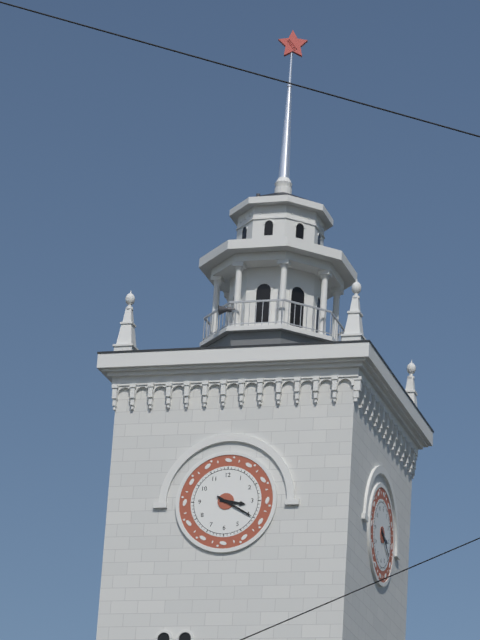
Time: **3:20**
